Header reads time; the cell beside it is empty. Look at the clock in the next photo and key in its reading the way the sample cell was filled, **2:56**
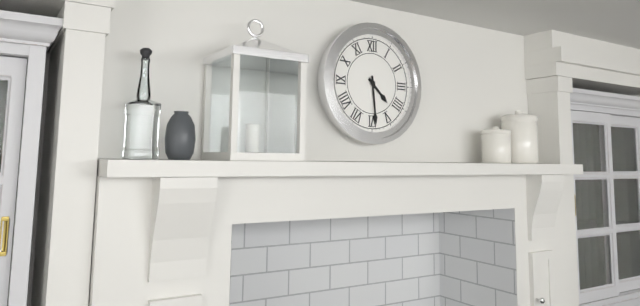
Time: **4:29**
